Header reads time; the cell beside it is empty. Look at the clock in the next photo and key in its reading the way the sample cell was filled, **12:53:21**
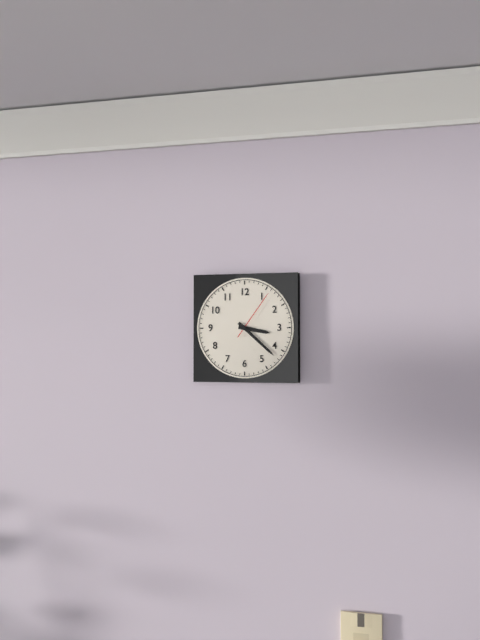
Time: **3:22:06**
